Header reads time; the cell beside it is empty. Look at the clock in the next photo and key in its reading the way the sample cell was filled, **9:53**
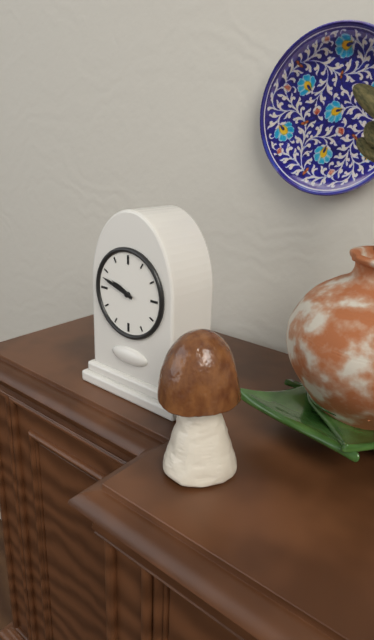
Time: **9:48**
